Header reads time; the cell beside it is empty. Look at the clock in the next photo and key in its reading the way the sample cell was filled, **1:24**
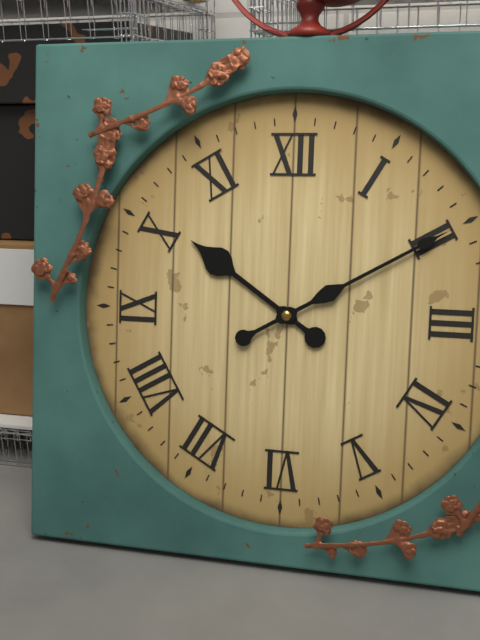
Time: **10:10**
